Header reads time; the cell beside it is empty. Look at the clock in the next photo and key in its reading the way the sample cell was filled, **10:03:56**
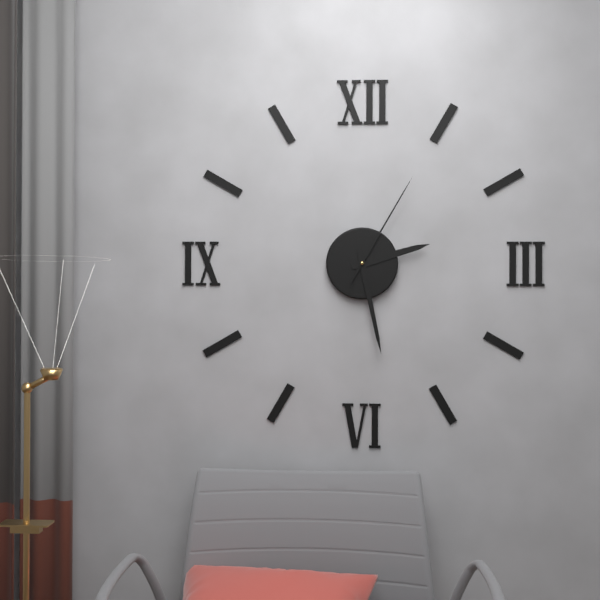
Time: **2:28:05**
